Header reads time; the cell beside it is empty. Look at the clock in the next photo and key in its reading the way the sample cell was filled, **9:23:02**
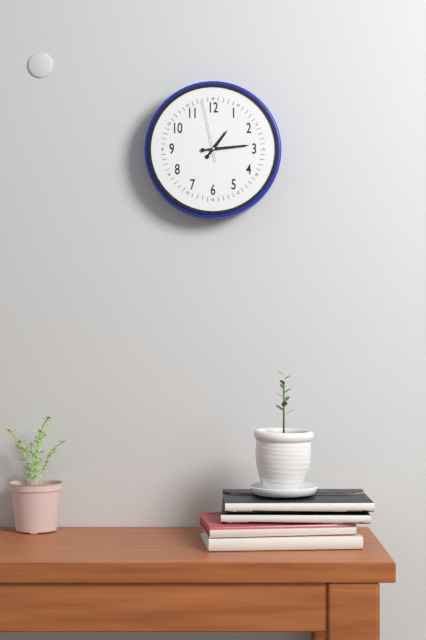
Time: **1:14:58**
